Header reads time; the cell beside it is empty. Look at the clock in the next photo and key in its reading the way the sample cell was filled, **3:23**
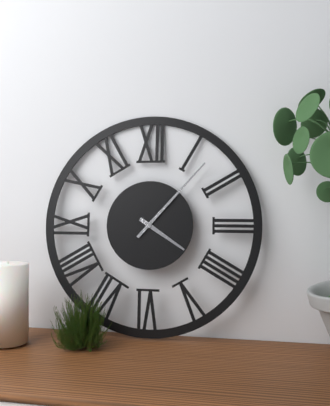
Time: **4:07**
